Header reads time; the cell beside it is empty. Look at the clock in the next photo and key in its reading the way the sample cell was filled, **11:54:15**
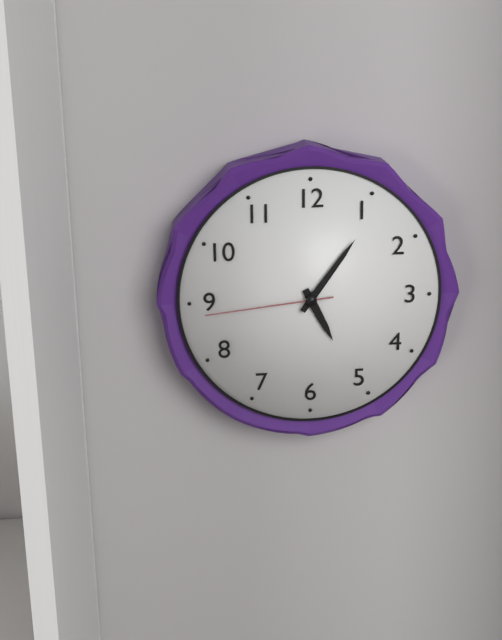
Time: **5:06:44**
